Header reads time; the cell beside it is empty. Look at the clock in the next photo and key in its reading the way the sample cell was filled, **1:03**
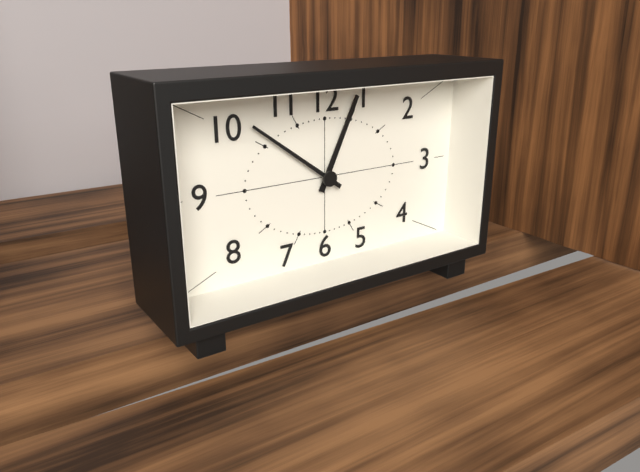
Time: **12:51**
